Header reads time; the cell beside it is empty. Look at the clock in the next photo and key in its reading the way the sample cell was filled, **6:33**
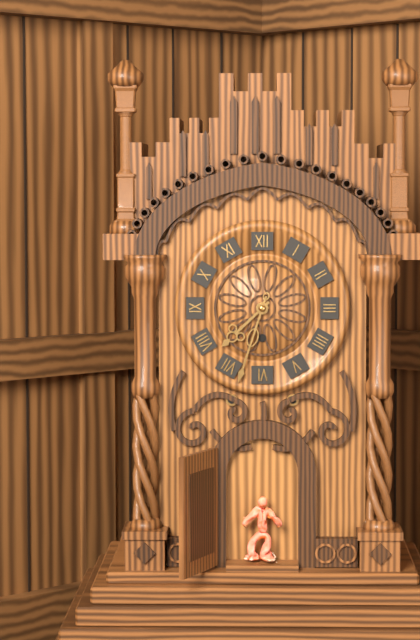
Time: **7:33**
